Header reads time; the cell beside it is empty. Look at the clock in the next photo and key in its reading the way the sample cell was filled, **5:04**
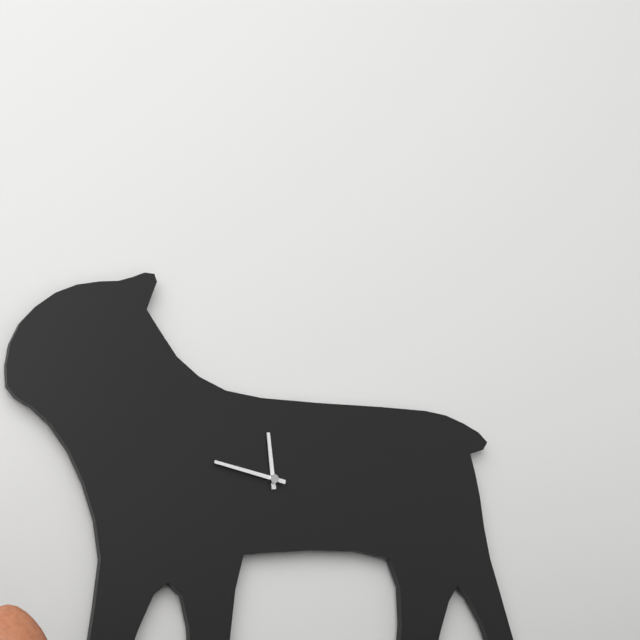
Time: **11:47**
